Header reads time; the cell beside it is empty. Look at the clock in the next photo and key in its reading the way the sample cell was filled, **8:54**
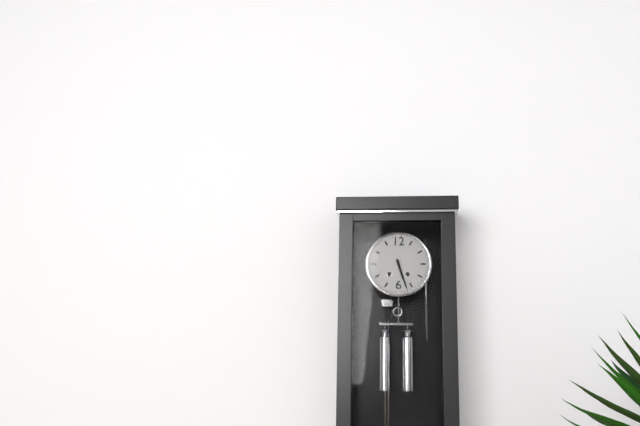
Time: **5:27**
